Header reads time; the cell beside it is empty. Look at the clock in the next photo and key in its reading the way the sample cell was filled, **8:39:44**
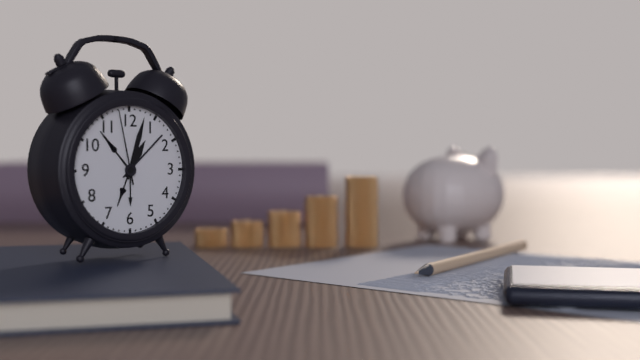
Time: **1:03:58**
